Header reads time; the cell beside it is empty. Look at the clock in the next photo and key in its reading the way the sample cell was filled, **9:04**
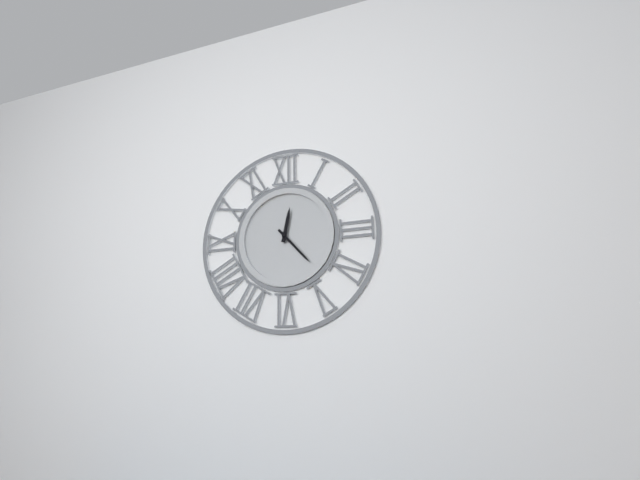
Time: **12:23**
